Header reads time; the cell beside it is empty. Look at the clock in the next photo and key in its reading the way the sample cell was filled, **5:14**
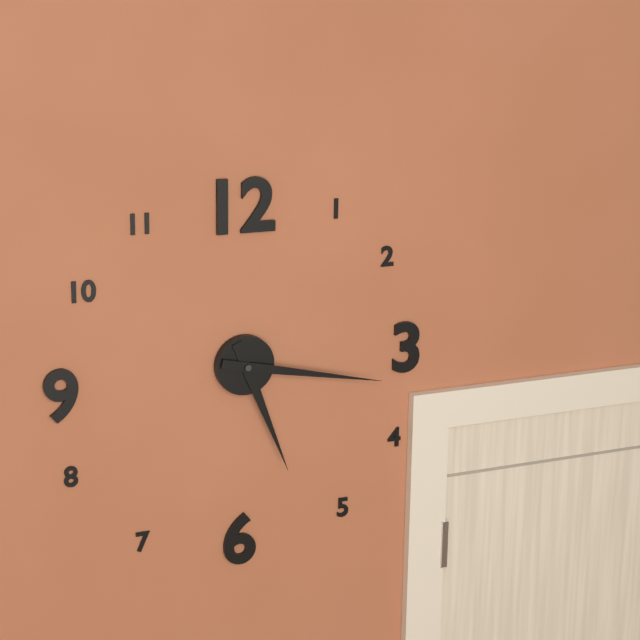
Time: **5:17**
